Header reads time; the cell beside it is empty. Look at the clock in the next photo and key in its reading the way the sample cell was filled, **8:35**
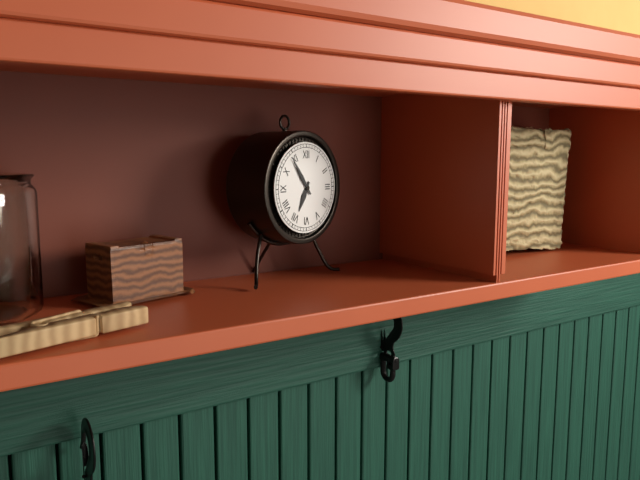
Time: **6:54**
